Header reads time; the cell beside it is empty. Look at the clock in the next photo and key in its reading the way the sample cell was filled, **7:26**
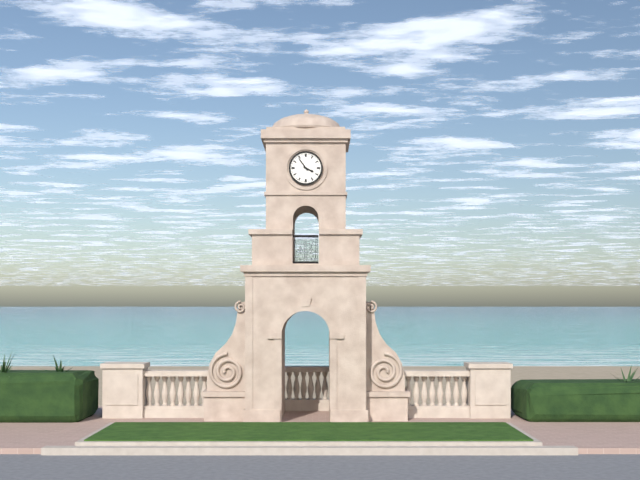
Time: **3:54**
